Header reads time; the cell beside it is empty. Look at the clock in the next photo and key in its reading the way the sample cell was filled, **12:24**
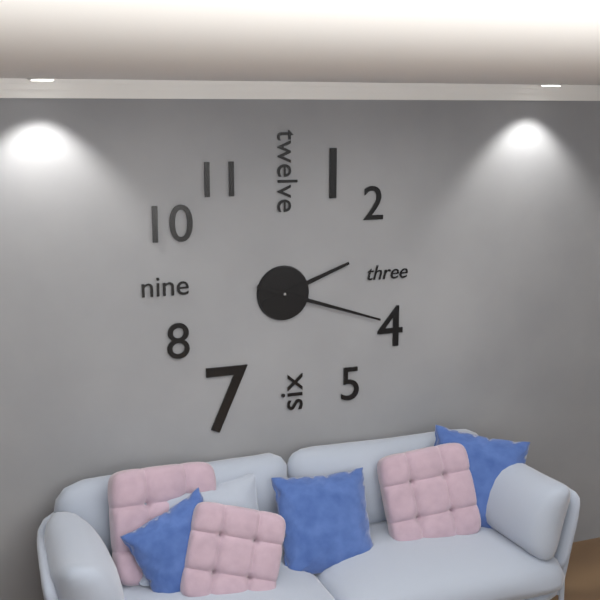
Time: **2:18**
